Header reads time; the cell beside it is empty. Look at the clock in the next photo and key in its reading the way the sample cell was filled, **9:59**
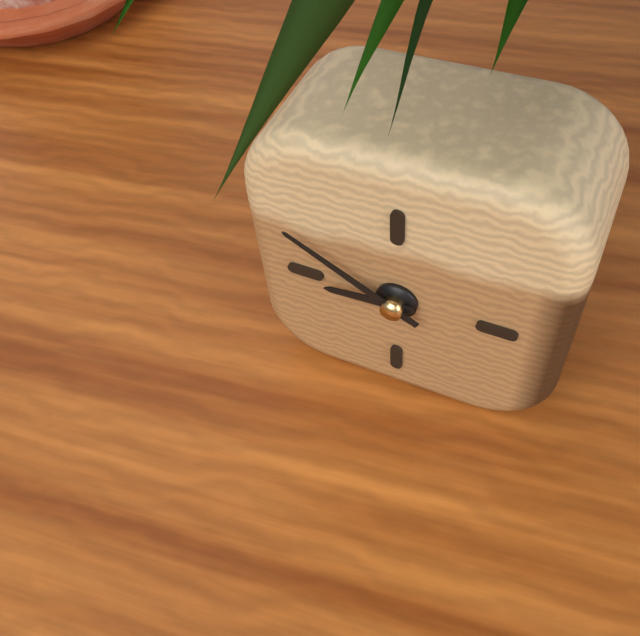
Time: **8:50**
